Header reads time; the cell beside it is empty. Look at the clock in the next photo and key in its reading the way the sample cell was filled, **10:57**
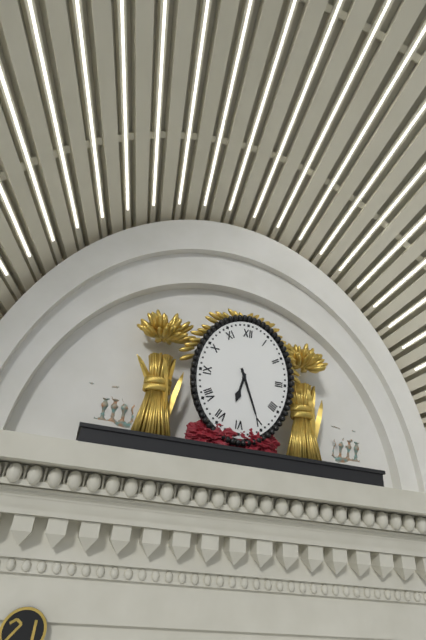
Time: **6:26**
